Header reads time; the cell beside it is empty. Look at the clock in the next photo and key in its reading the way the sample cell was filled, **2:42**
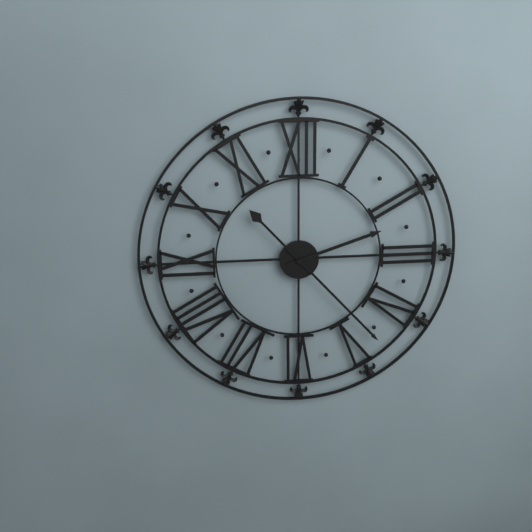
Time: **2:23**
